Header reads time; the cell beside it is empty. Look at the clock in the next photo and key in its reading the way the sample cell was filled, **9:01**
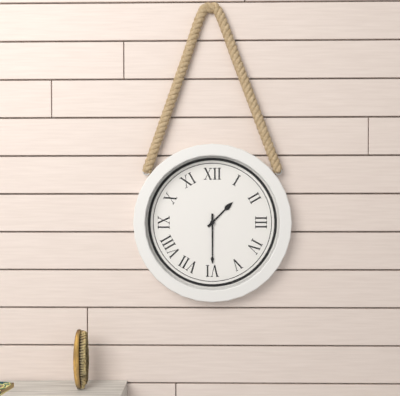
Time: **1:30**
